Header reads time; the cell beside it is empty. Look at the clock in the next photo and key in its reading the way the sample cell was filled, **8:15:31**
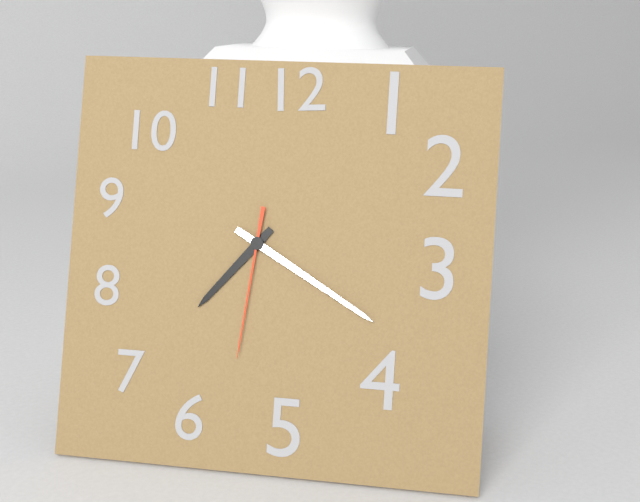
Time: **7:20:31**
